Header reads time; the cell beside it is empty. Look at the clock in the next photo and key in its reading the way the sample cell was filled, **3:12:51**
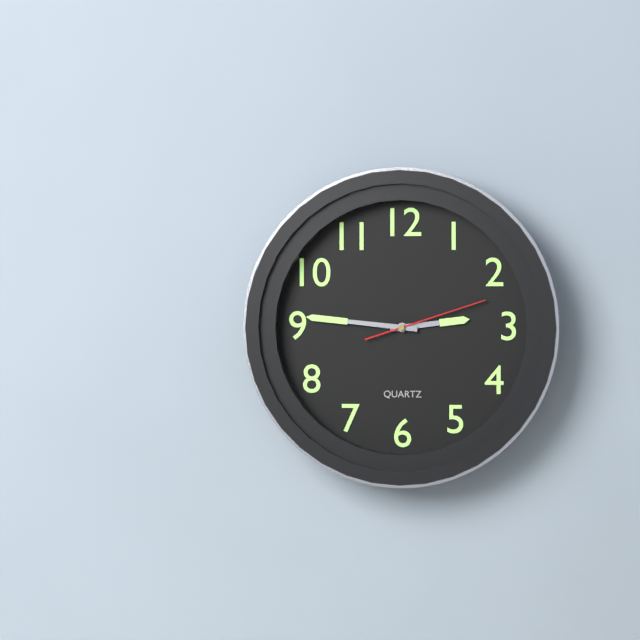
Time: **2:46:12**
